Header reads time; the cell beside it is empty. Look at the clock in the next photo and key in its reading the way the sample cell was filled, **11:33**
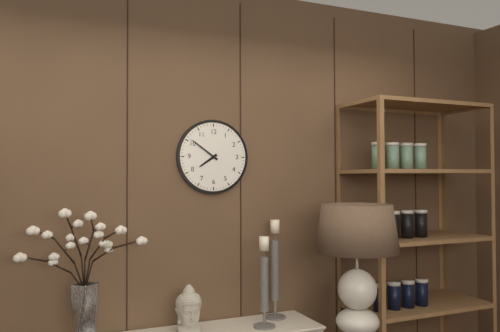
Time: **7:51**
